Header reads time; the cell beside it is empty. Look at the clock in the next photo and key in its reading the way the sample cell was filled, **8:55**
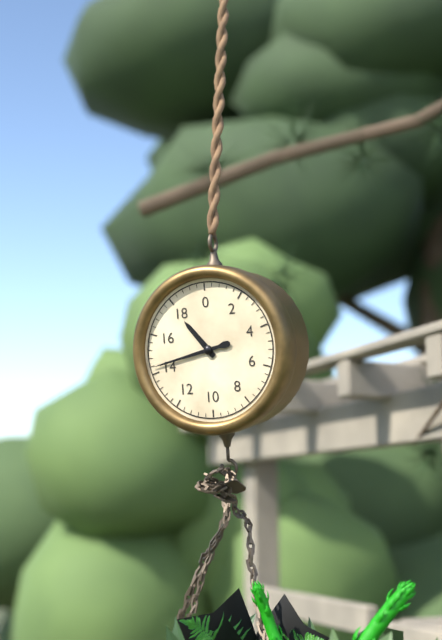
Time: **10:43**
